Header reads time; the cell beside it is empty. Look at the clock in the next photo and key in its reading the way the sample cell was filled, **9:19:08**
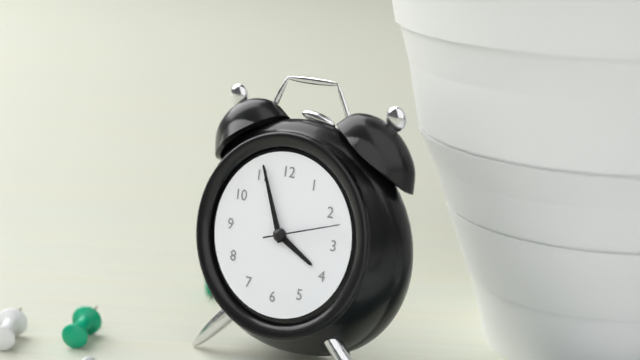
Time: **3:56:12**
